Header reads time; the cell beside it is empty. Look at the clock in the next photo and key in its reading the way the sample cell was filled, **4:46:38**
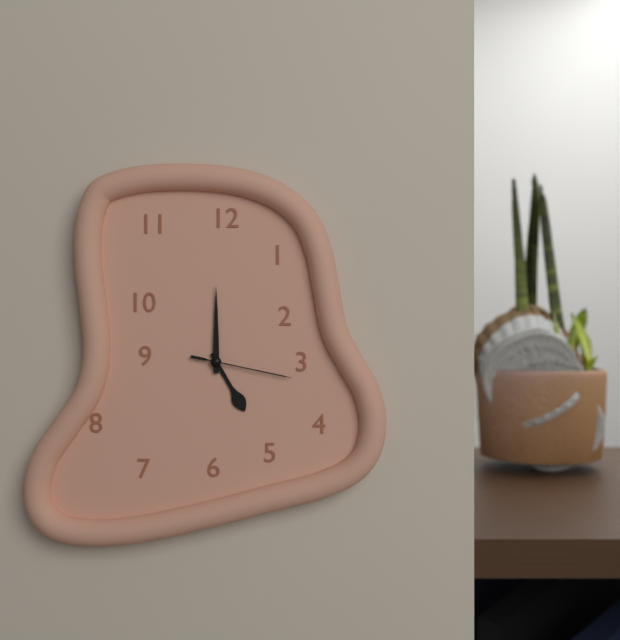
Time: **5:00:17**
